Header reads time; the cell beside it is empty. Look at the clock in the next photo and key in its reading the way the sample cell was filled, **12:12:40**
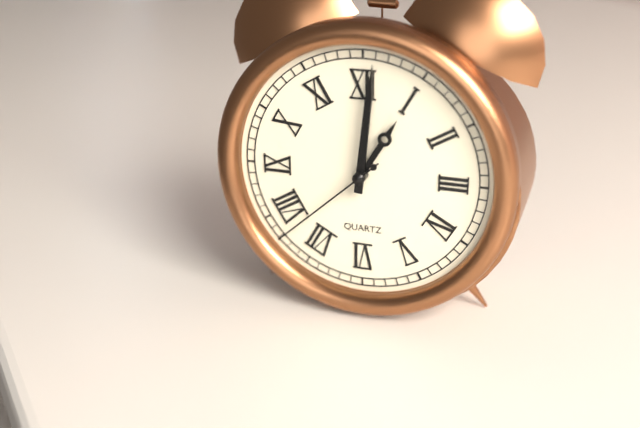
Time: **1:01:38**
